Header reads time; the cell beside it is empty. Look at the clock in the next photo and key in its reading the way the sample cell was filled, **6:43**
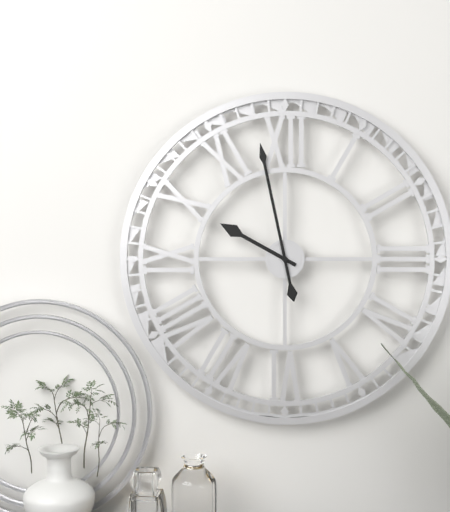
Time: **9:58**
